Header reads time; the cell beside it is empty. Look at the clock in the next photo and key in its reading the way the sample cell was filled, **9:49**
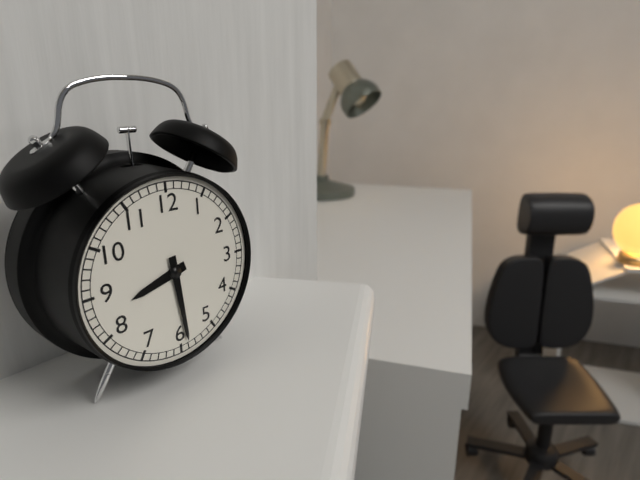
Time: **8:29**
